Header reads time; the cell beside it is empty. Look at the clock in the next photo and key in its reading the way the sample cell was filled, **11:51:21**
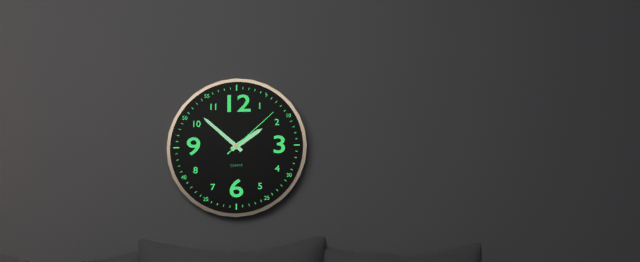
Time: **1:52:08**
